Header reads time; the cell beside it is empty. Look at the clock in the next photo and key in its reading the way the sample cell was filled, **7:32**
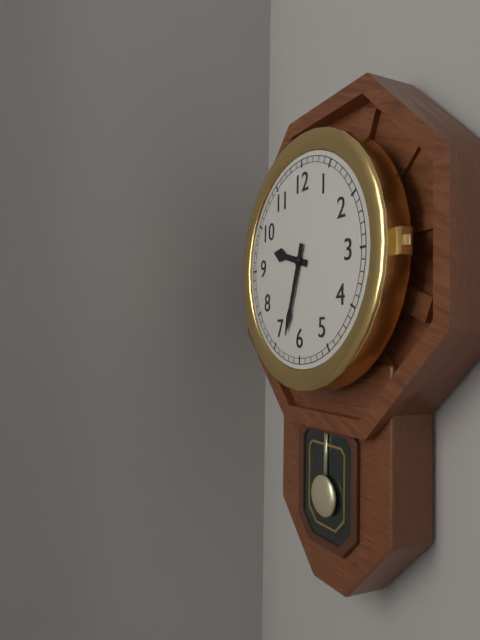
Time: **9:33**
